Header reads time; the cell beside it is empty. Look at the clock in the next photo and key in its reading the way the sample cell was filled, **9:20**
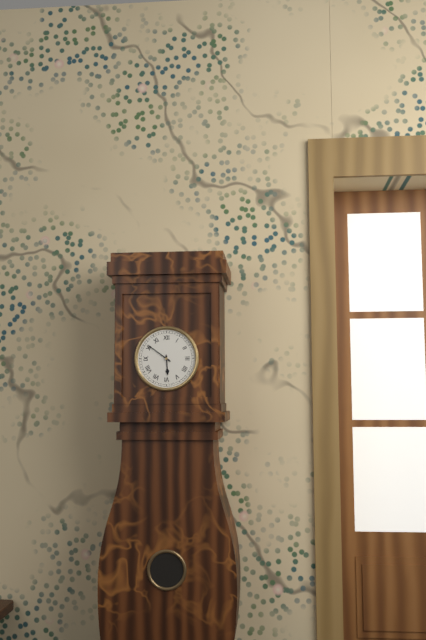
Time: **5:51**
